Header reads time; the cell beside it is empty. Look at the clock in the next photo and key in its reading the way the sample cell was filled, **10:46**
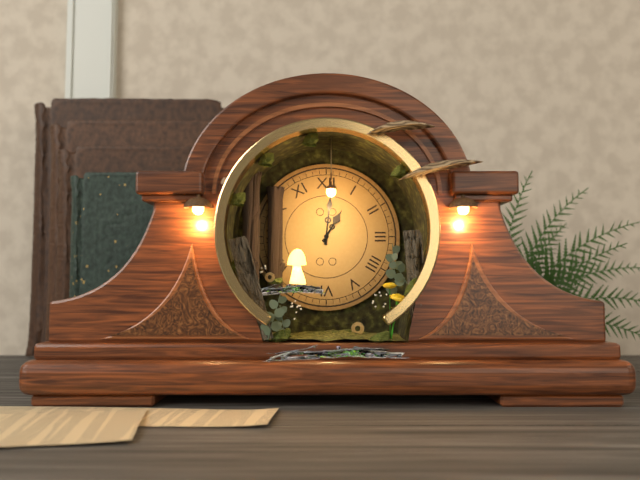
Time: **1:01**
